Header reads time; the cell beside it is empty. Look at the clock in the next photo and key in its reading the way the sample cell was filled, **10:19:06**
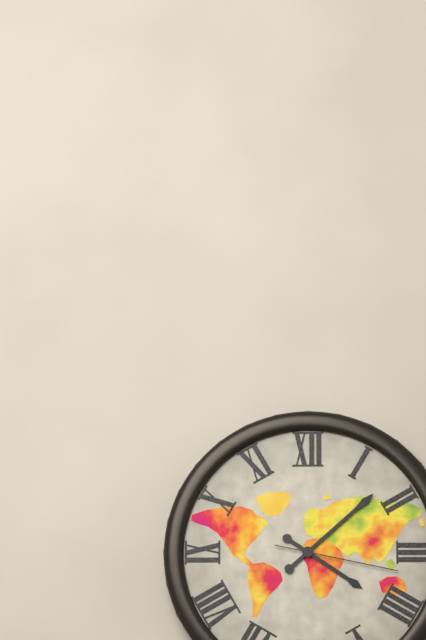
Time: **4:08:17**
